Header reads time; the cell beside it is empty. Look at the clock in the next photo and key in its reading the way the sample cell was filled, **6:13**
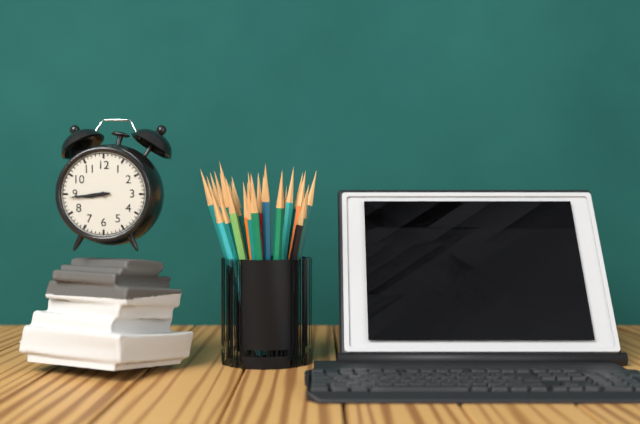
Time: **8:44**
